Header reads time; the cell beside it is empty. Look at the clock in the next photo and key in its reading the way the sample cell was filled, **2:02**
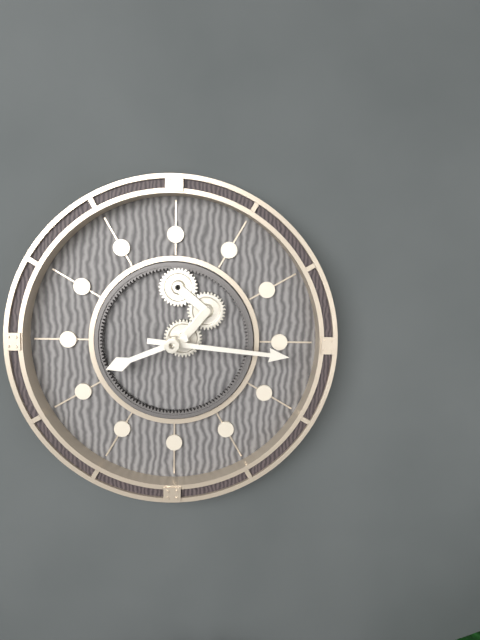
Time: **8:16**
